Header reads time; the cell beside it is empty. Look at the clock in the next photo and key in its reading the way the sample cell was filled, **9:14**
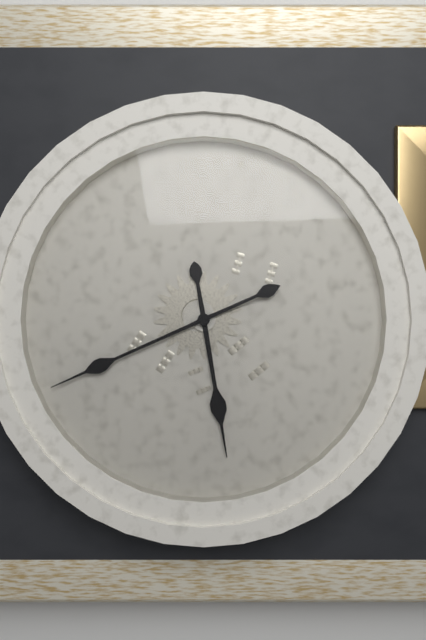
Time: **5:41**
